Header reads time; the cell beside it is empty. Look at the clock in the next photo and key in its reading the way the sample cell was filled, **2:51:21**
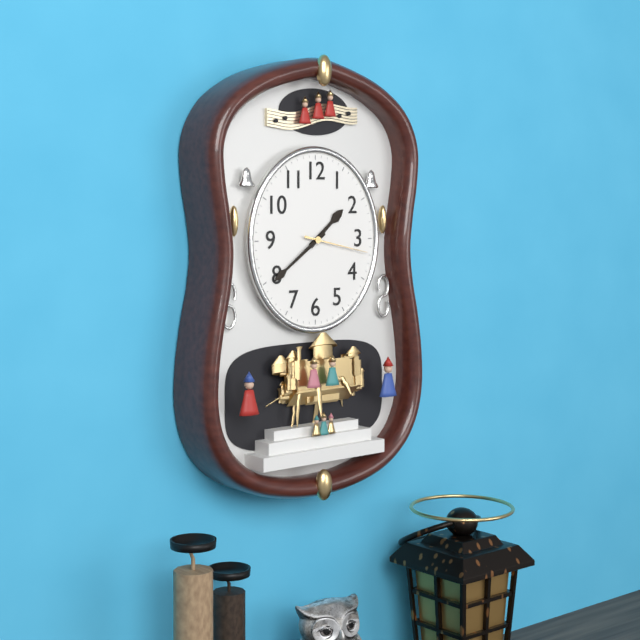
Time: **1:39:17**
